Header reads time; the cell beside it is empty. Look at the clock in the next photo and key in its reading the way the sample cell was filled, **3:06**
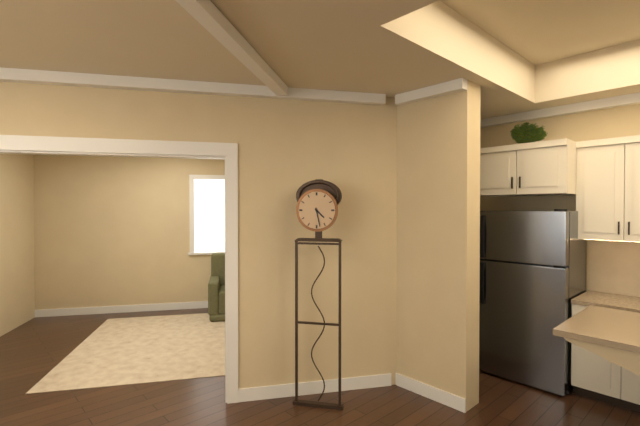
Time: **4:28**
